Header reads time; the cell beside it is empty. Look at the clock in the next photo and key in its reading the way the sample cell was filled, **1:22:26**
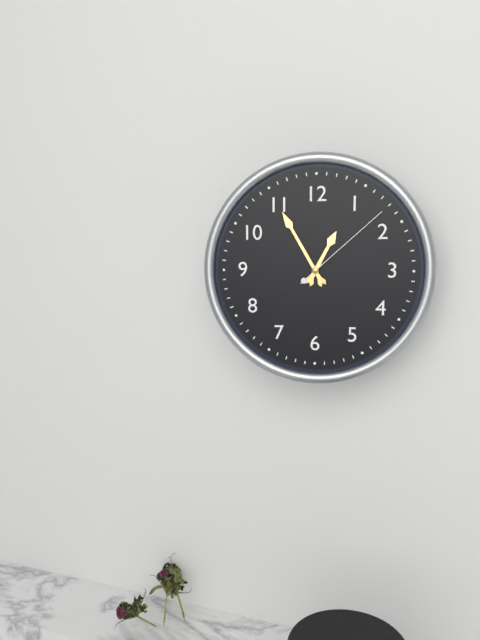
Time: **12:55:08**
